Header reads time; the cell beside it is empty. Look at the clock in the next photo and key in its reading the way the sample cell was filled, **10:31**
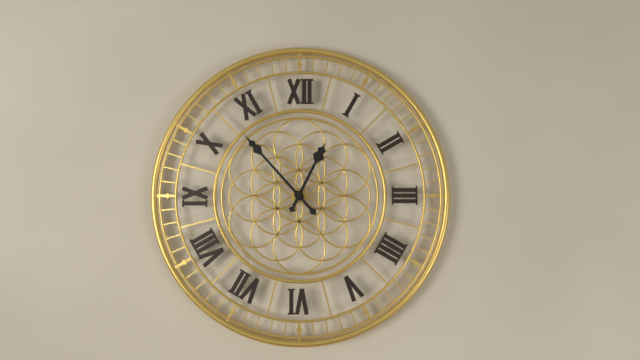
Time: **12:53**
